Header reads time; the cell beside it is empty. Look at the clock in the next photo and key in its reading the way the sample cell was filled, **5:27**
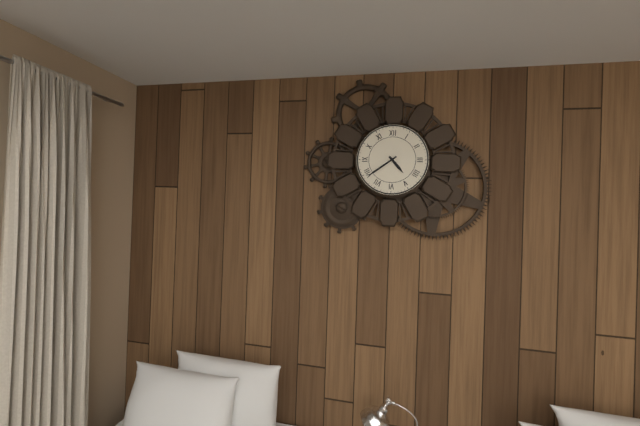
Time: **4:39**
